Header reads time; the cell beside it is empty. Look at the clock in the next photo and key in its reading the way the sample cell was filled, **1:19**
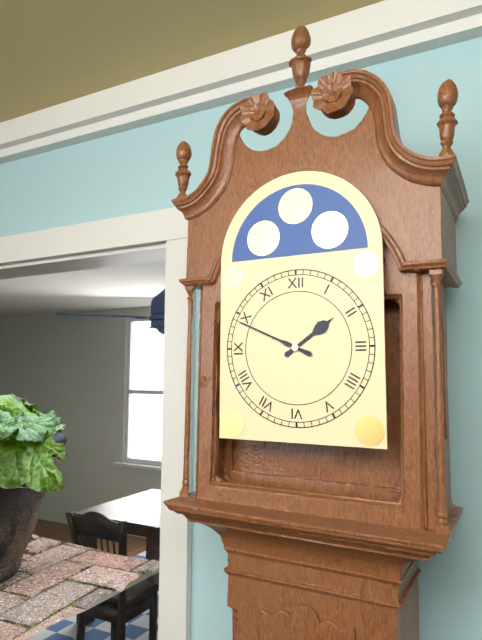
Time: **1:49**
